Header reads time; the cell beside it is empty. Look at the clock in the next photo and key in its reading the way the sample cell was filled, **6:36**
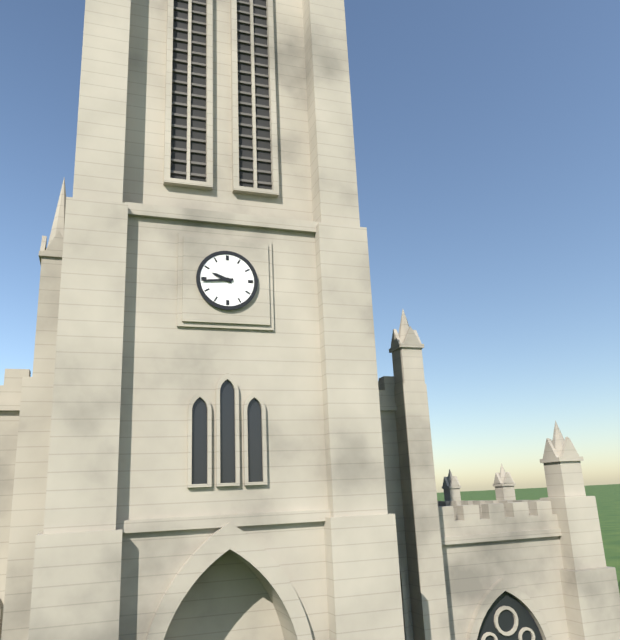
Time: **9:44**
